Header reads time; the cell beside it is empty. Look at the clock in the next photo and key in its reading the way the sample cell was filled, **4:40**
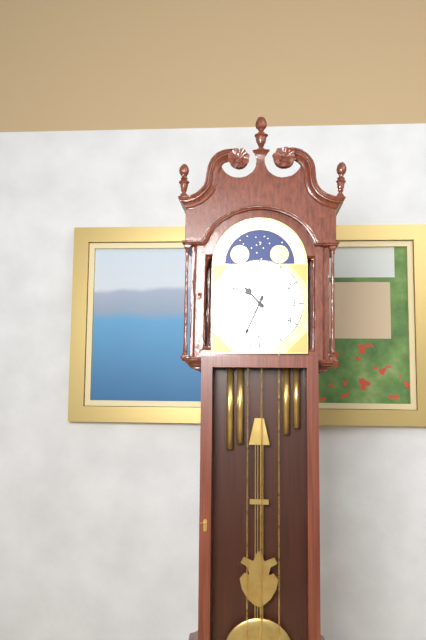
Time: **10:34**
